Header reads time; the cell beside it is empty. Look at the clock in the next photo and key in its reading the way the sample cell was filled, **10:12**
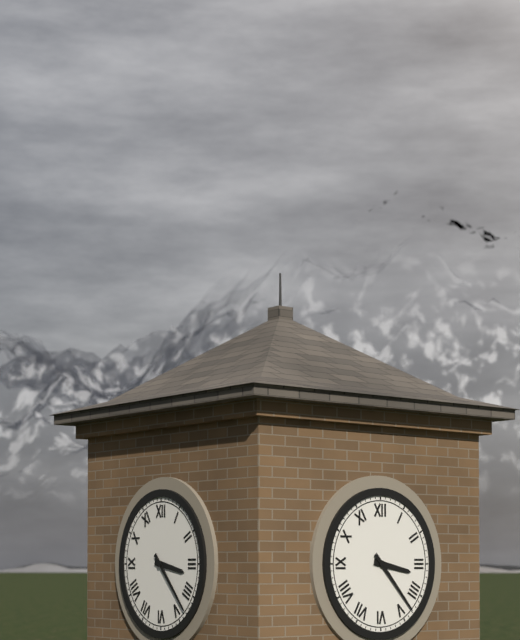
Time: **3:23**
